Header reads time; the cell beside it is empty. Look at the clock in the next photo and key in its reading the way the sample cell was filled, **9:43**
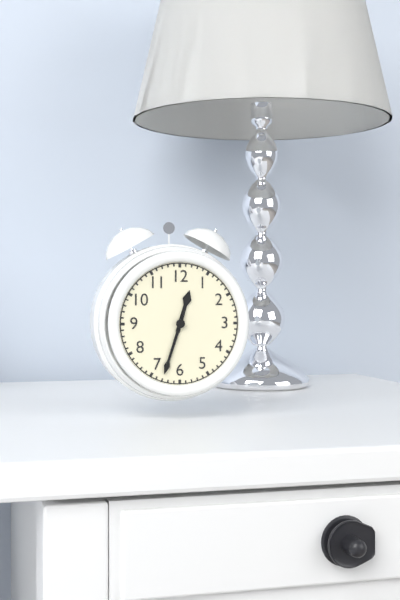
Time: **12:33**
